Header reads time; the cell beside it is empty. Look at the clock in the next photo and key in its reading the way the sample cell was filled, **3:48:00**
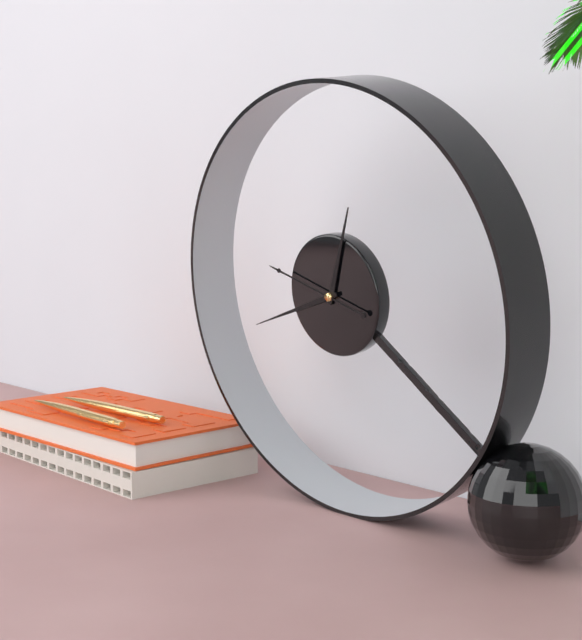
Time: **12:42:48**
